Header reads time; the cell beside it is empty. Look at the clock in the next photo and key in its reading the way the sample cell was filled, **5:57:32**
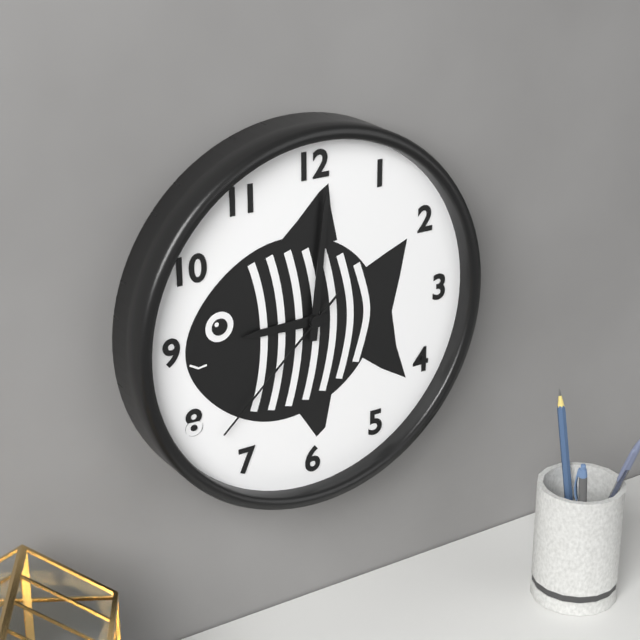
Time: **9:01:38**
